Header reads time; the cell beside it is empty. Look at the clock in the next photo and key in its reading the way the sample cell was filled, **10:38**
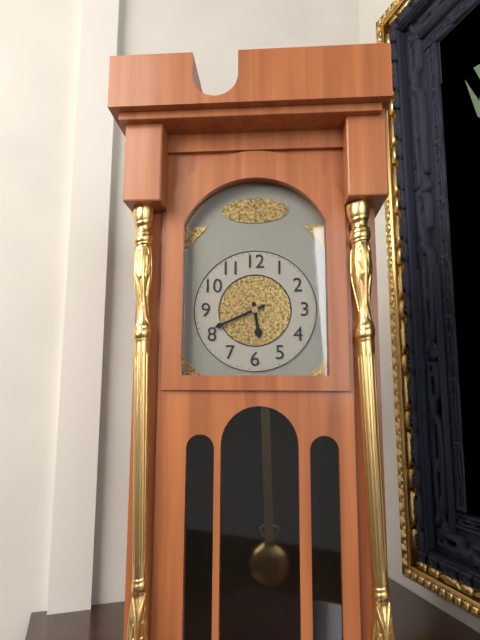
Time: **5:41**
